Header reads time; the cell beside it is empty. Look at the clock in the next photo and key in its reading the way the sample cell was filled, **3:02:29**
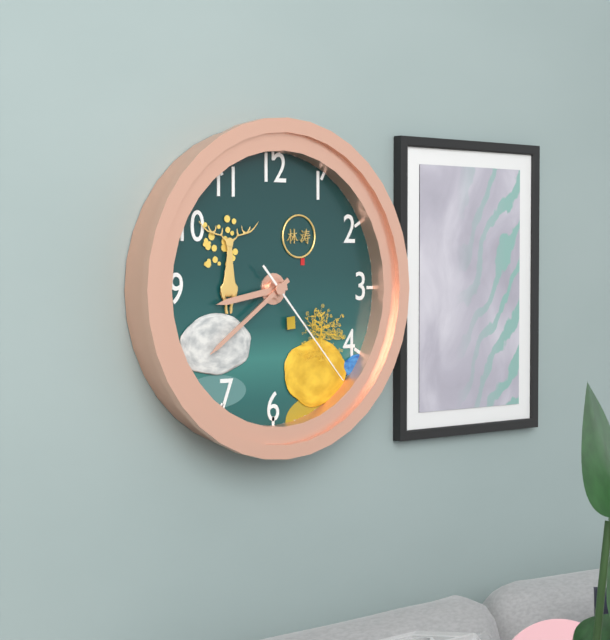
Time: **8:39:23**
